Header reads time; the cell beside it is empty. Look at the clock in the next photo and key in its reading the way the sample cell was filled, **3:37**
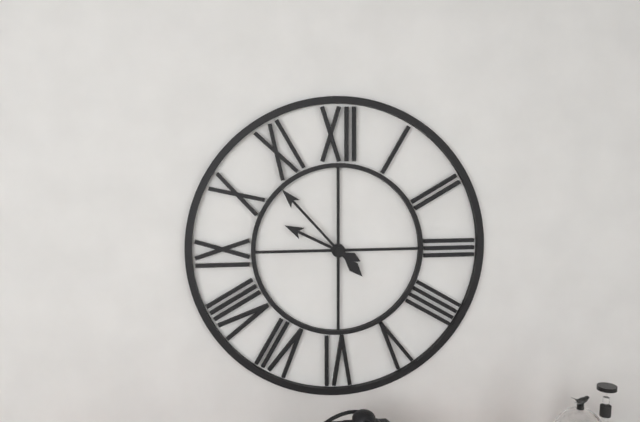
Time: **9:53**
